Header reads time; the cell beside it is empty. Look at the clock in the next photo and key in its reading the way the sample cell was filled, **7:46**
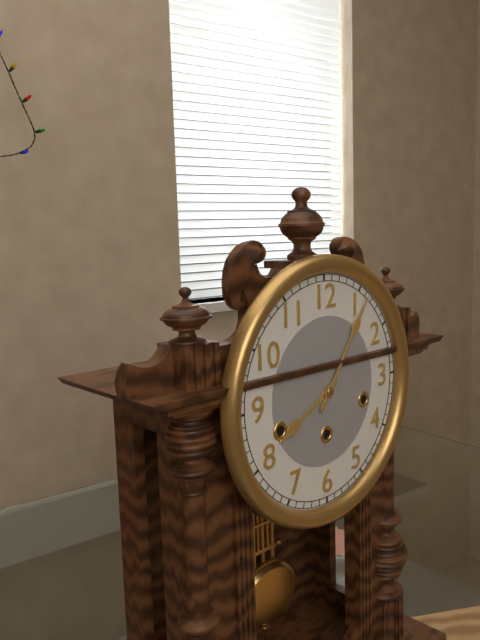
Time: **8:06**
